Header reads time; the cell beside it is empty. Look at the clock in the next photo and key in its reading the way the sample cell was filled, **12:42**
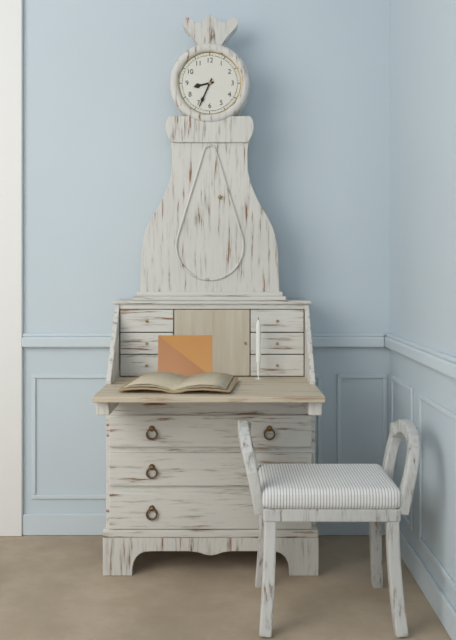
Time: **8:34**
